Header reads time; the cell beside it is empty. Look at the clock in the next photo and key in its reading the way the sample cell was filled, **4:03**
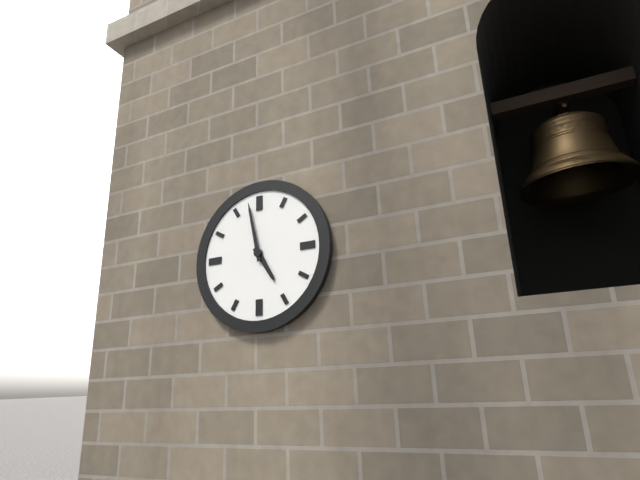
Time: **4:58**
